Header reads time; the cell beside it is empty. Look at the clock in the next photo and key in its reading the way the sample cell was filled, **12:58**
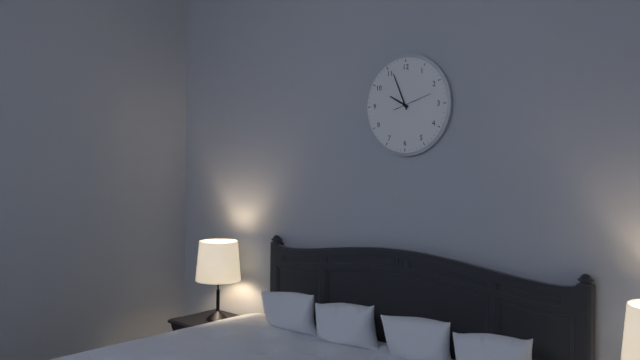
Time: **9:56**
